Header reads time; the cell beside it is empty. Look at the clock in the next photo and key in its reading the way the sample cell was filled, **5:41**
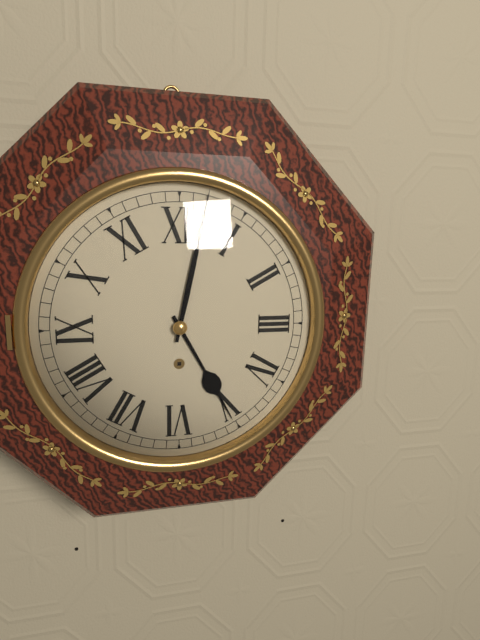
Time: **5:02**
